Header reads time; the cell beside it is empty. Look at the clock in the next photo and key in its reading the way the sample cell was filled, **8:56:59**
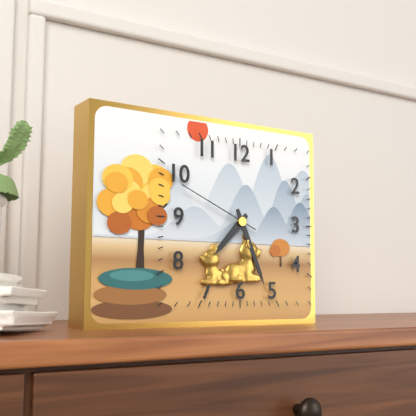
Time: **7:26:49**
